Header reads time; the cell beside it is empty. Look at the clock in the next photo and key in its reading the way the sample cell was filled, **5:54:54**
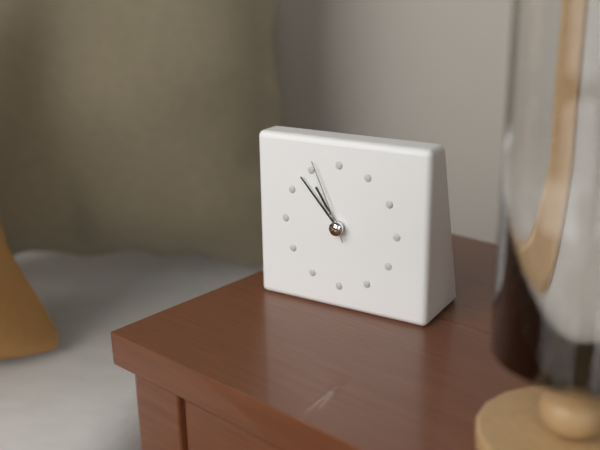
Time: **10:53:56**
